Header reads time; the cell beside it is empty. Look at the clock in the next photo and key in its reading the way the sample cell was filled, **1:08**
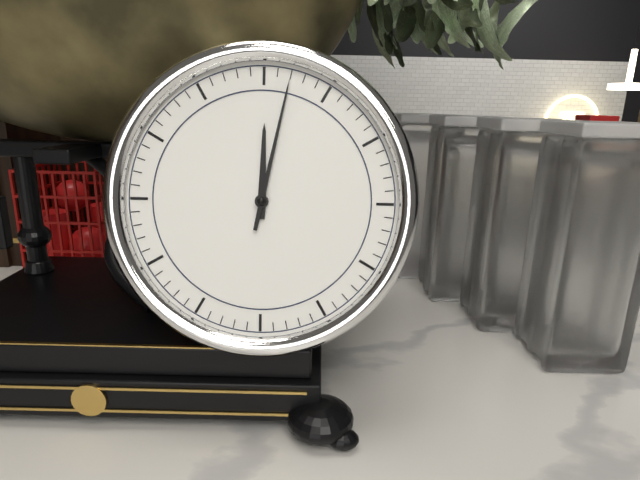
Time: **12:02**
